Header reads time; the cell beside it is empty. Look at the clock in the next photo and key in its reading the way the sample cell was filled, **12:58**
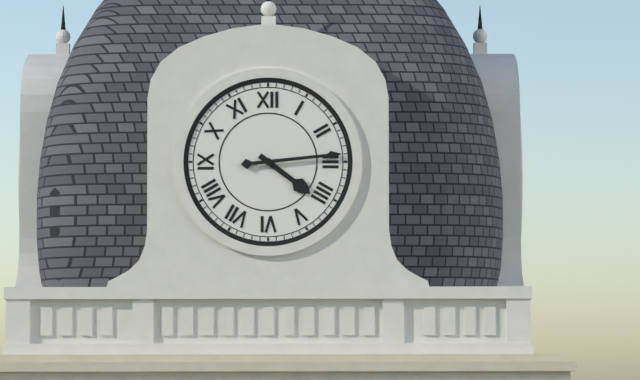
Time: **4:14**
